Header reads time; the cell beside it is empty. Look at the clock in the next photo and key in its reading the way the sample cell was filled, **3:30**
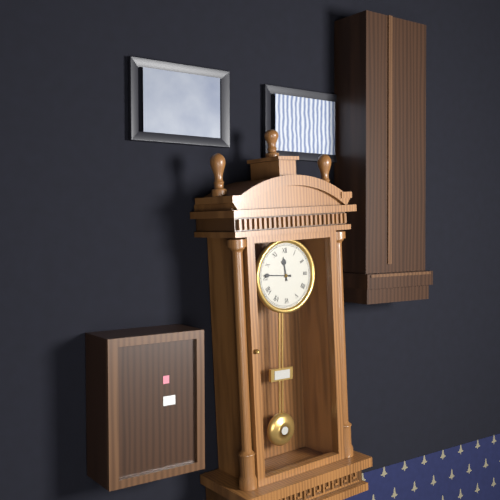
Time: **11:46**
